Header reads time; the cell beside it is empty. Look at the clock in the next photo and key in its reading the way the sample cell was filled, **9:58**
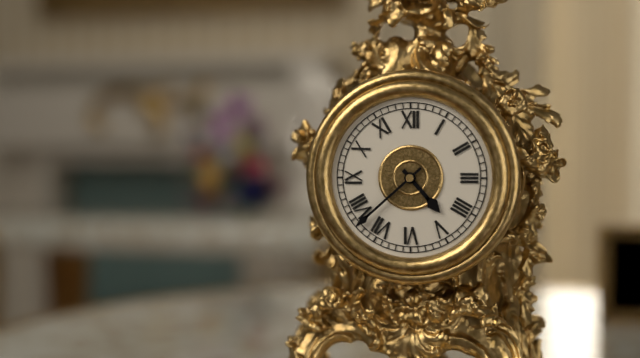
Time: **4:38**
